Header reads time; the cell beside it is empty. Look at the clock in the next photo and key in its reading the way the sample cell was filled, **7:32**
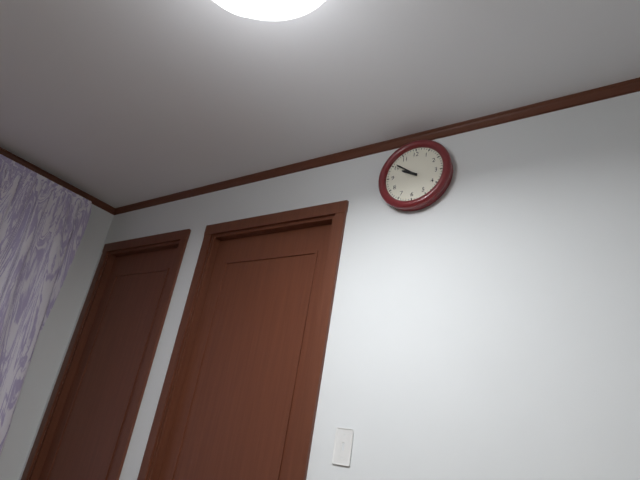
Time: **9:51**
